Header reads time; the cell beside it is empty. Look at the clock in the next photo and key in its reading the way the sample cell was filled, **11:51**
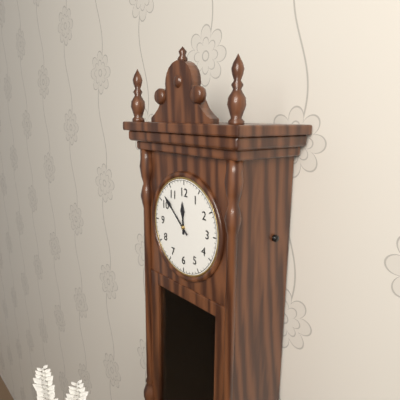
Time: **11:52**
